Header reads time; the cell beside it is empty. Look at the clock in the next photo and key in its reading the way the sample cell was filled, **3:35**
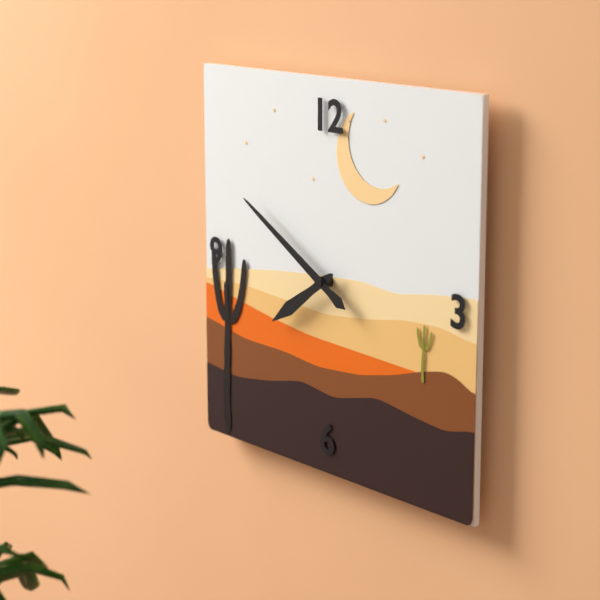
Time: **7:50**
